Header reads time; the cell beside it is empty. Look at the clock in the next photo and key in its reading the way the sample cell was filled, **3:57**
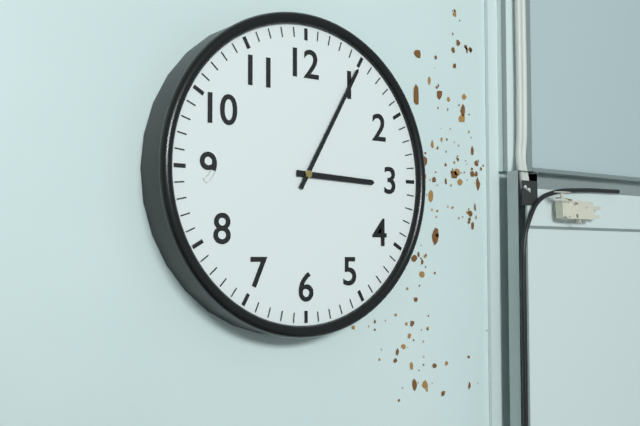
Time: **3:05**
